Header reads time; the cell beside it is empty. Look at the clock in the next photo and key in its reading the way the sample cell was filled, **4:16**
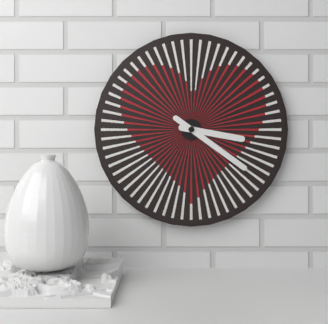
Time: **3:21**
